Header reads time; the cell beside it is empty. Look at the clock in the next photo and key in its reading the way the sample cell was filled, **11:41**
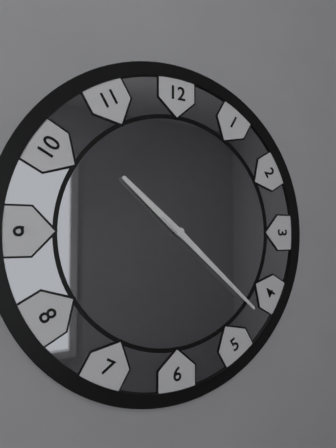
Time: **10:22**
